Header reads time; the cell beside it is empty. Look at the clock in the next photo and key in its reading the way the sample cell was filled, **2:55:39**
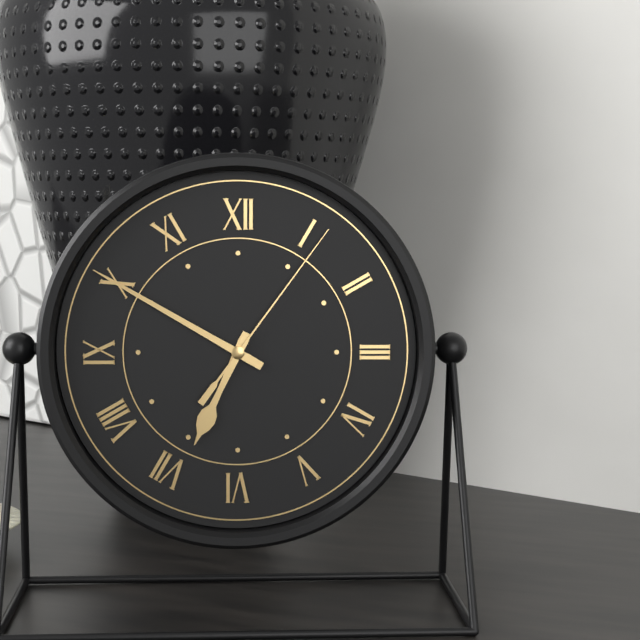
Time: **6:50:06**
